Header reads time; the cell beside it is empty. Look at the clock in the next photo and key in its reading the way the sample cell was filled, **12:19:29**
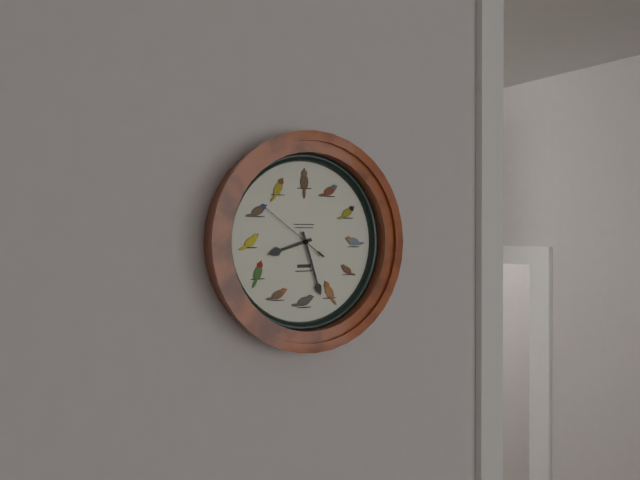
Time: **8:27:51**
